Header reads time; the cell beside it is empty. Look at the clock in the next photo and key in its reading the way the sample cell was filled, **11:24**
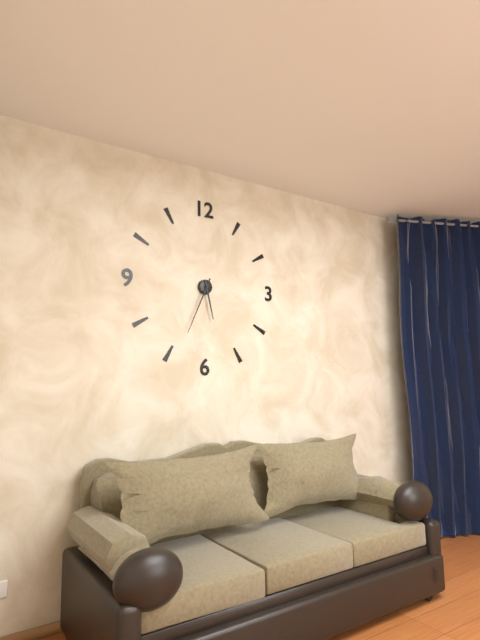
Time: **5:34**
